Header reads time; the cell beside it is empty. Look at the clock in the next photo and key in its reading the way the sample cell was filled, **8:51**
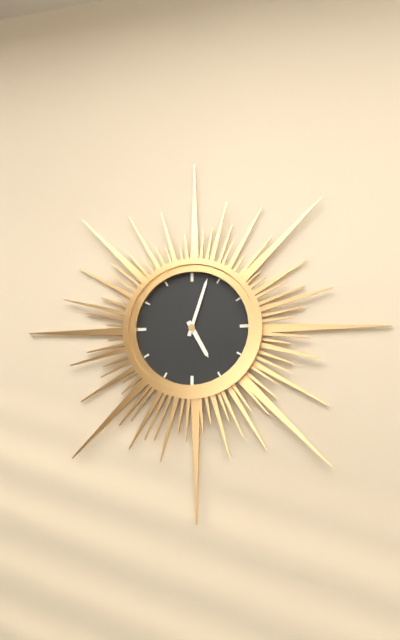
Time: **5:03**
